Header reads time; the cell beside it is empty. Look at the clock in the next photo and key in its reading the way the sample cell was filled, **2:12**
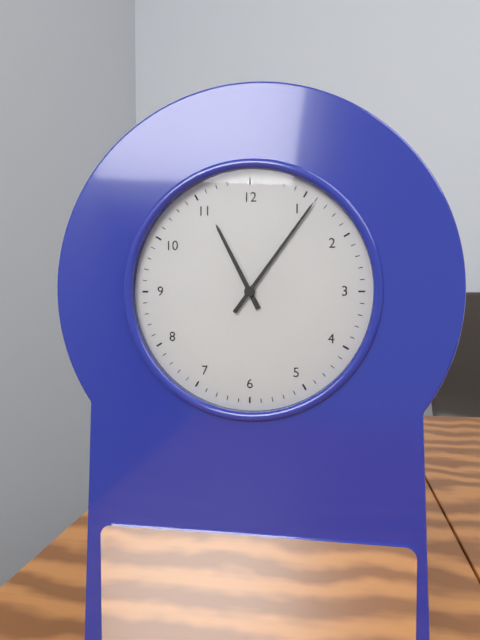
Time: **11:06**
